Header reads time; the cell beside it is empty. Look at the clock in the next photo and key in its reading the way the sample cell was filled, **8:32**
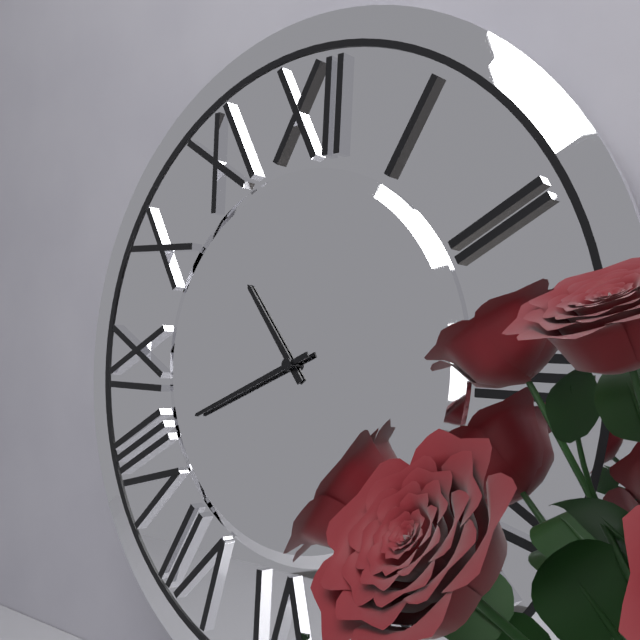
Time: **10:41**
